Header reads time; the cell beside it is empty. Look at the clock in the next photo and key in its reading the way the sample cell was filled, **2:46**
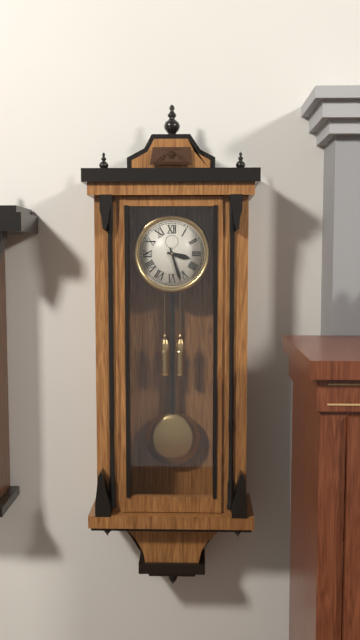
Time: **3:27**
